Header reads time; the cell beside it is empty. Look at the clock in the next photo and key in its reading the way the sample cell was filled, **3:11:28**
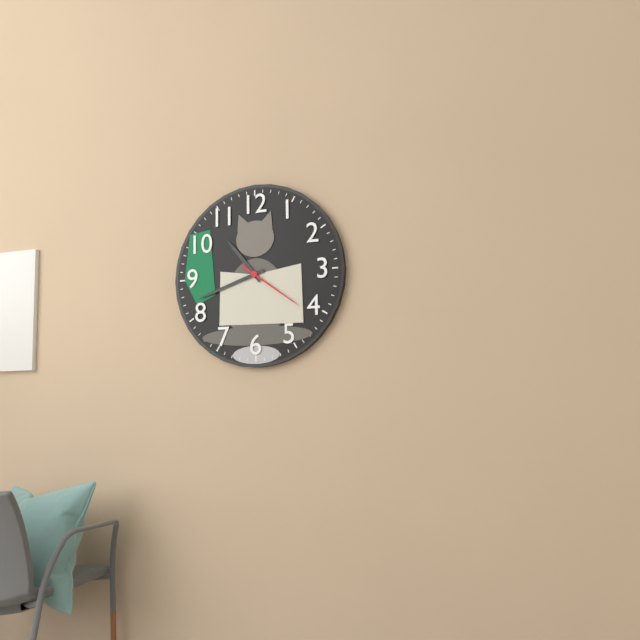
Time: **10:42:21**
